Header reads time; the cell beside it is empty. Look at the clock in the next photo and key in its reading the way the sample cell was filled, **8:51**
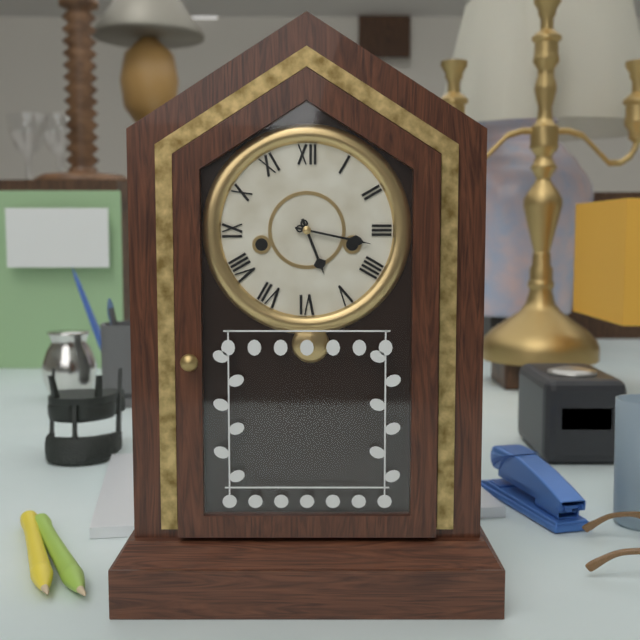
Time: **5:17**
